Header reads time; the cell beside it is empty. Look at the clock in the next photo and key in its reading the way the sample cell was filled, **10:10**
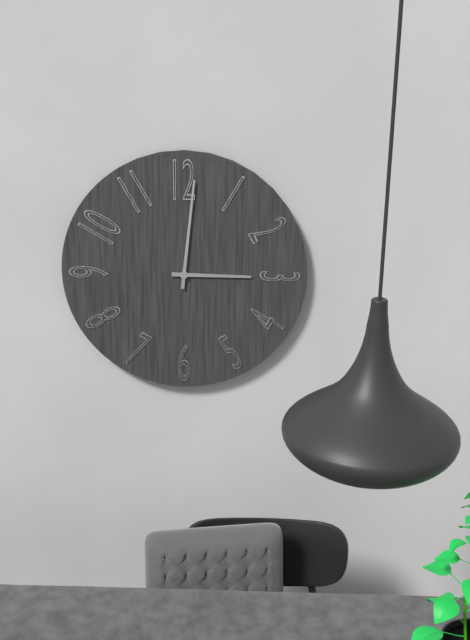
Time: **3:01**
